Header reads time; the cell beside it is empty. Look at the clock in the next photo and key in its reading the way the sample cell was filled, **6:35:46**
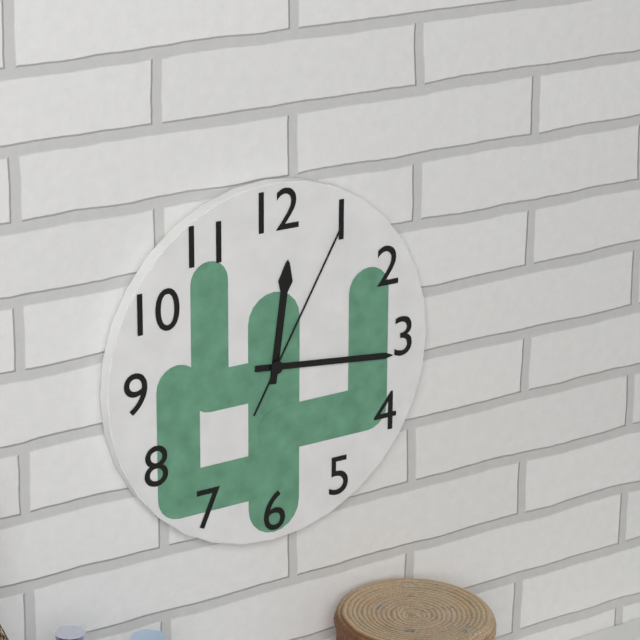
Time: **12:16:05**
